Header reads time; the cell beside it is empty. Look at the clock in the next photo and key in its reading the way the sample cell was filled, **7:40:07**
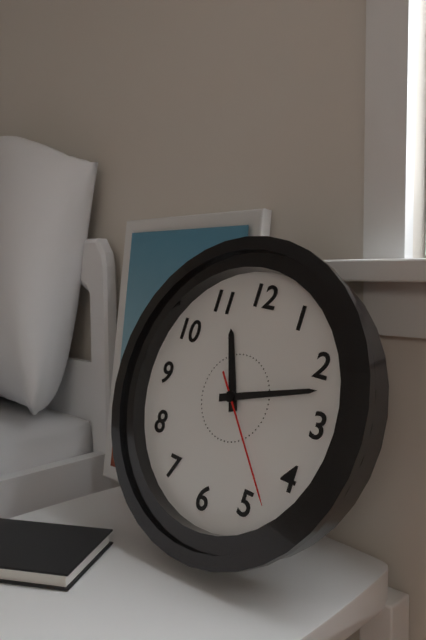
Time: **11:12:23**
